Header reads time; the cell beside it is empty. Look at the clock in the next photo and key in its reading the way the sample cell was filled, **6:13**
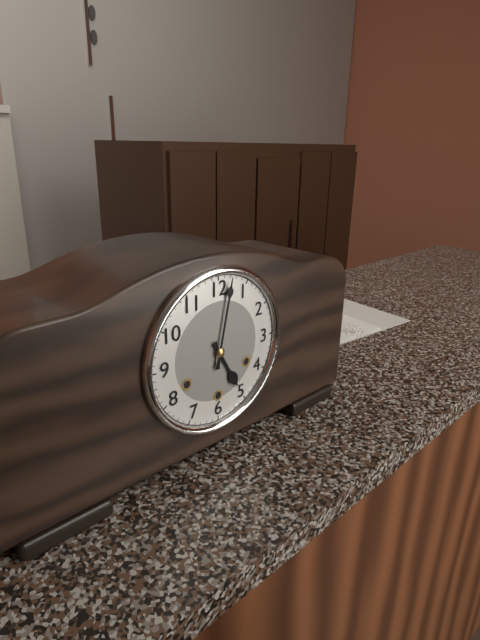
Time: **5:02**
